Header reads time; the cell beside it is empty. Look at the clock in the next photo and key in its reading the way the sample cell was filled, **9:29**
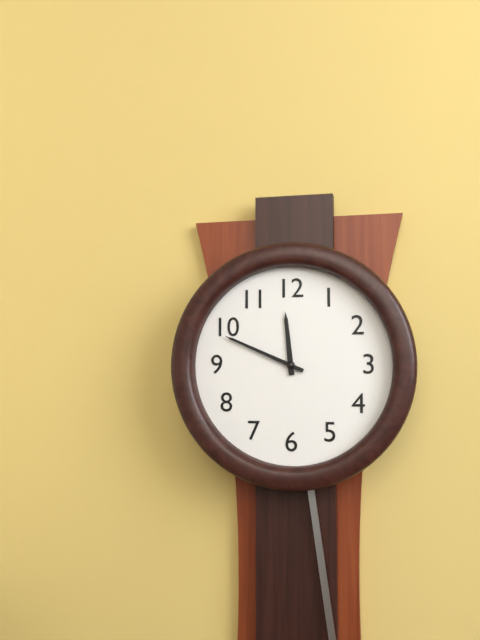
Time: **11:49**
